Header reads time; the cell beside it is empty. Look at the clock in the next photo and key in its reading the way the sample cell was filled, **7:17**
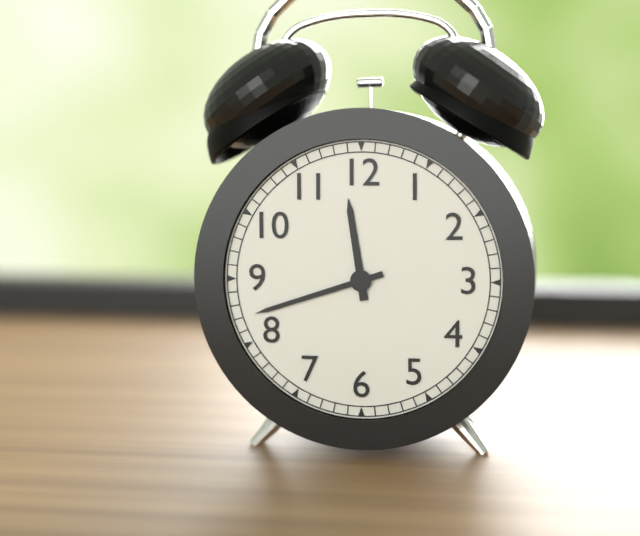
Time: **11:42**
